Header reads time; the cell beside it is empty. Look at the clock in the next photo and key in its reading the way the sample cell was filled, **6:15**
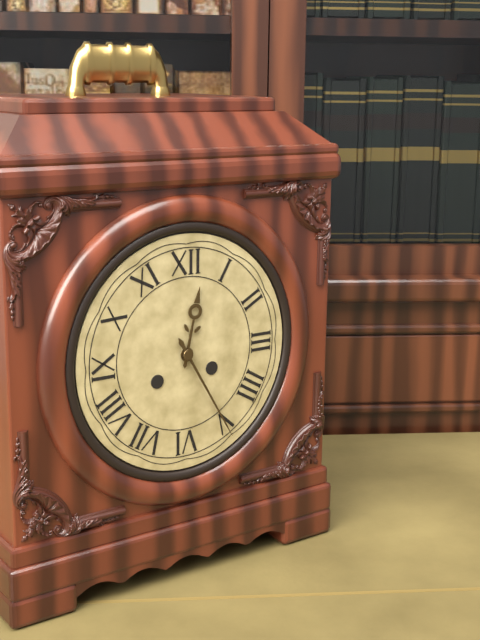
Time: **12:25**
